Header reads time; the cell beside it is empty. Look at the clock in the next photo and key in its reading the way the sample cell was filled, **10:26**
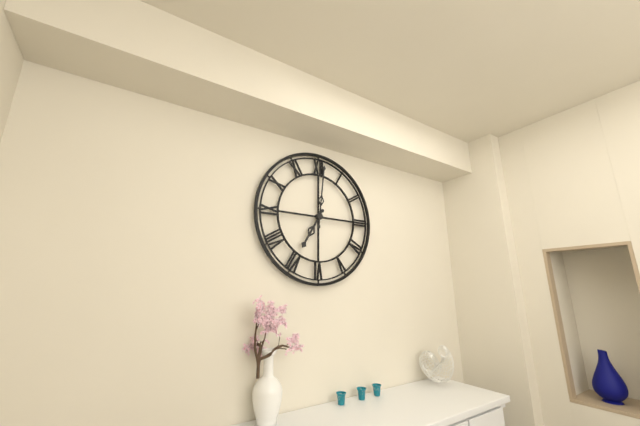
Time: **7:01**
